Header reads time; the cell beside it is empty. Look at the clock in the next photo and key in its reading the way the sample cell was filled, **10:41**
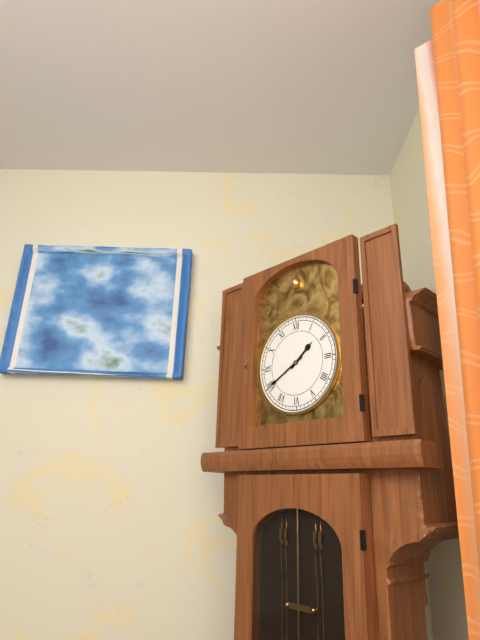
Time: **1:40**
